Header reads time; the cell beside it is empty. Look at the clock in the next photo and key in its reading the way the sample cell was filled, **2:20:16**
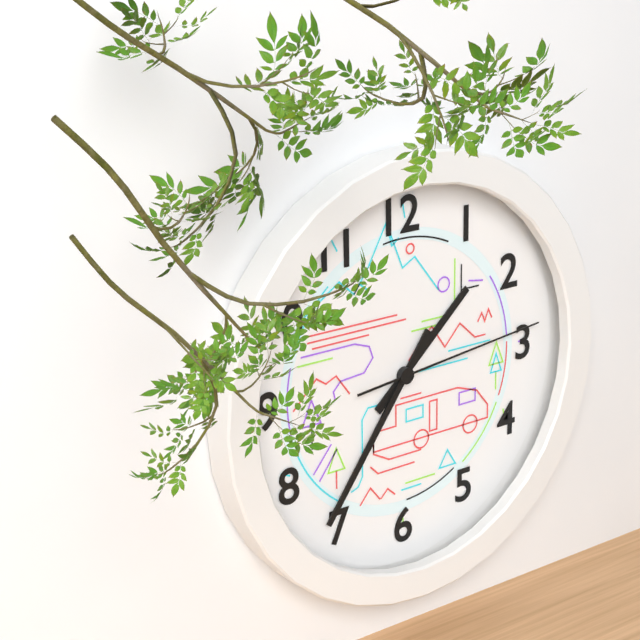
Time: **1:36:14**
